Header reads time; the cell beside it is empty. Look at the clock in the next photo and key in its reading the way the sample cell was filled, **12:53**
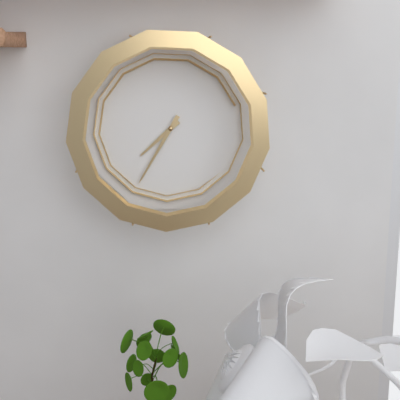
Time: **7:35**
